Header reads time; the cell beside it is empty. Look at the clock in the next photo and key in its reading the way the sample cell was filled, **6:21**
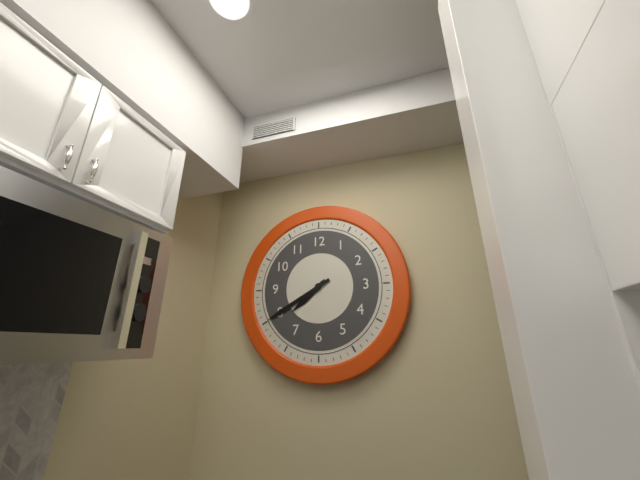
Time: **7:40**
